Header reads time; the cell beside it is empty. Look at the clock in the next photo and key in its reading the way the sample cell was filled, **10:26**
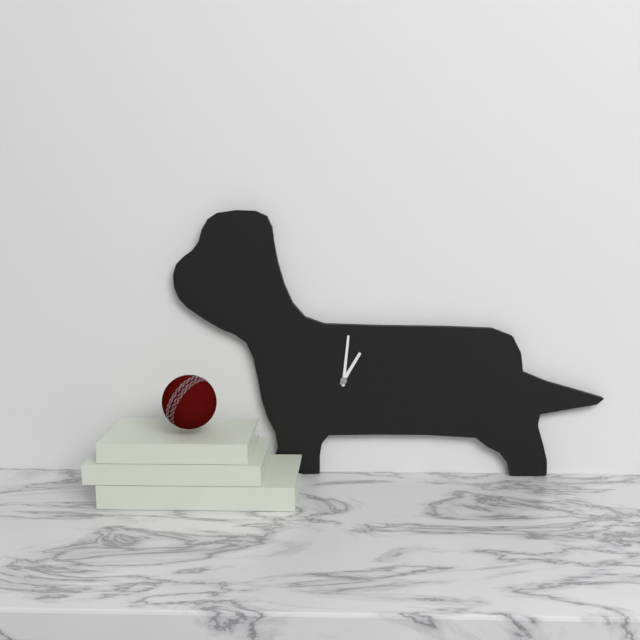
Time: **1:01**
